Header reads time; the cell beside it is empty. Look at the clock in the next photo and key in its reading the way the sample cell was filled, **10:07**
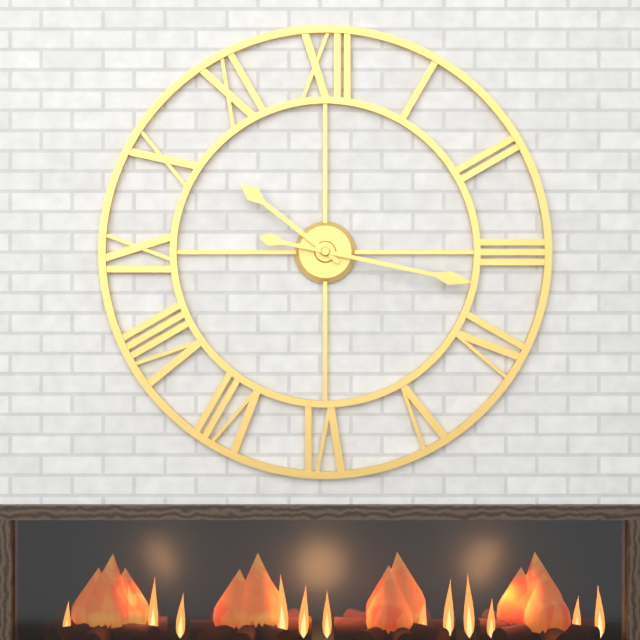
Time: **10:17**
